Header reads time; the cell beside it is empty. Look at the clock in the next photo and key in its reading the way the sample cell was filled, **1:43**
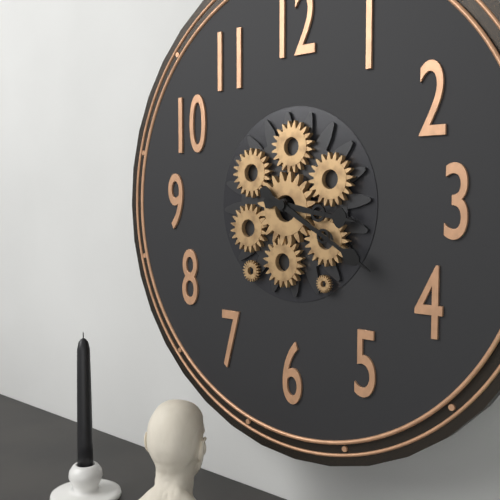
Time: **3:20**
